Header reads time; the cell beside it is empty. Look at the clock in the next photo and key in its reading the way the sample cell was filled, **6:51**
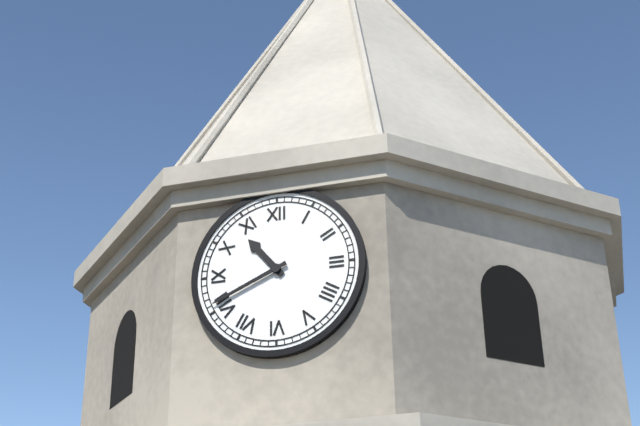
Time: **10:41**
